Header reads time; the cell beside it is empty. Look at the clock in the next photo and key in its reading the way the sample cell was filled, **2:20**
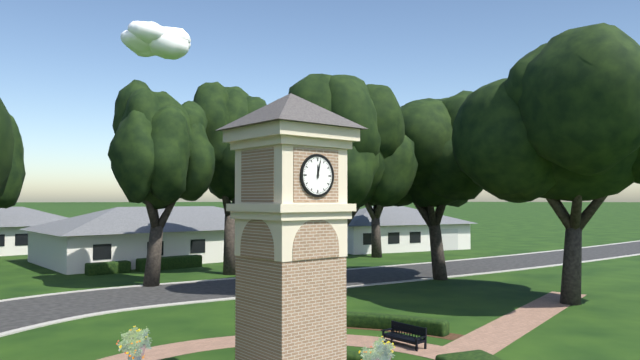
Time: **12:02**
